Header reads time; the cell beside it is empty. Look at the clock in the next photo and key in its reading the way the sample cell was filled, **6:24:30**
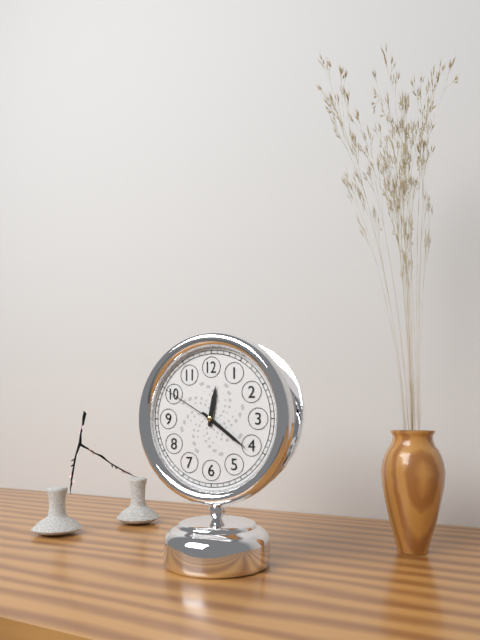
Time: **12:21:50**
